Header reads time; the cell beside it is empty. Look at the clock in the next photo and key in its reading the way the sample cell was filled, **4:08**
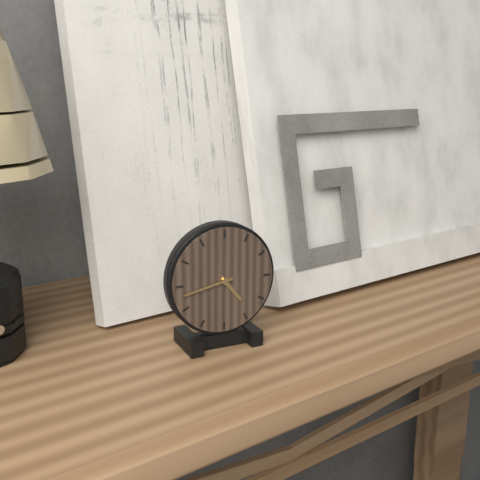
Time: **4:43**
